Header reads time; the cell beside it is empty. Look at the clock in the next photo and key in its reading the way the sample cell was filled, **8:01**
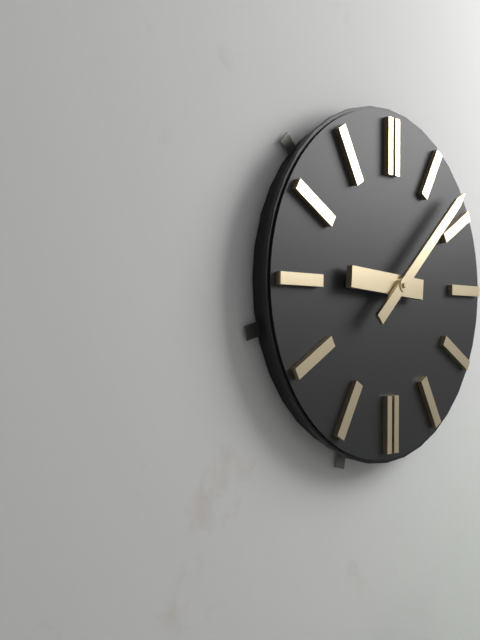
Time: **9:08**
